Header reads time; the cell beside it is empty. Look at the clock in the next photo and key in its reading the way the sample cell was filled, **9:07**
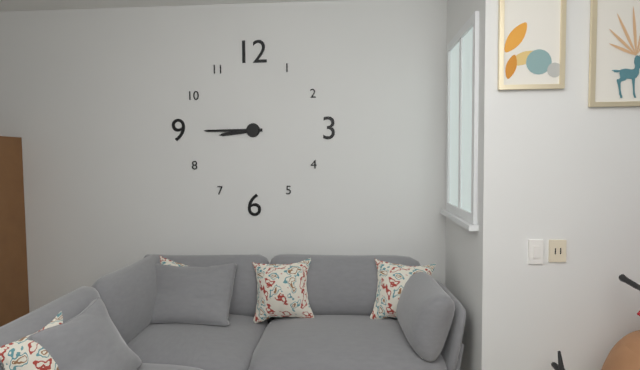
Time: **8:45**
